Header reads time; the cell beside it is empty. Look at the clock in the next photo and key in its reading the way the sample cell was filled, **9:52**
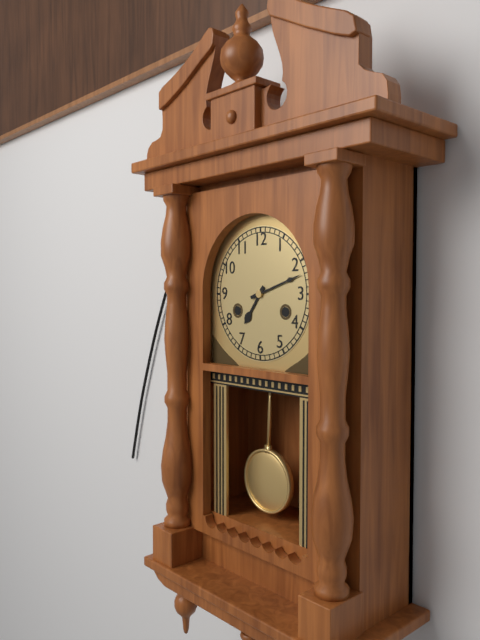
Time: **7:12**
